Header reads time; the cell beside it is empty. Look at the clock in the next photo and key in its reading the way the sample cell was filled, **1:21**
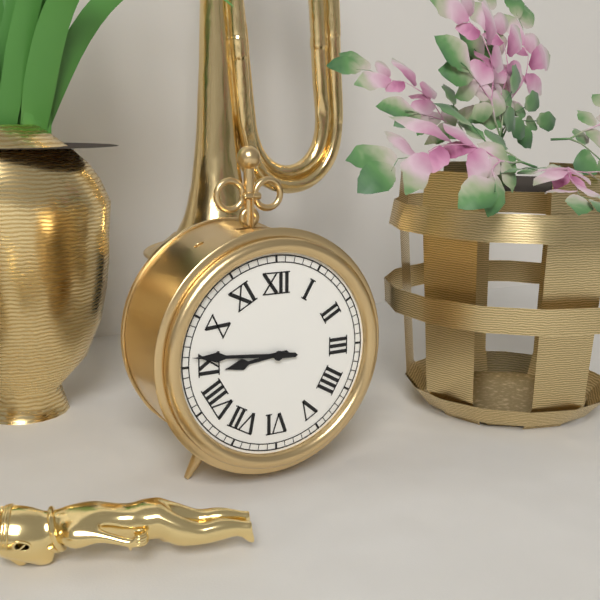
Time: **8:46**
